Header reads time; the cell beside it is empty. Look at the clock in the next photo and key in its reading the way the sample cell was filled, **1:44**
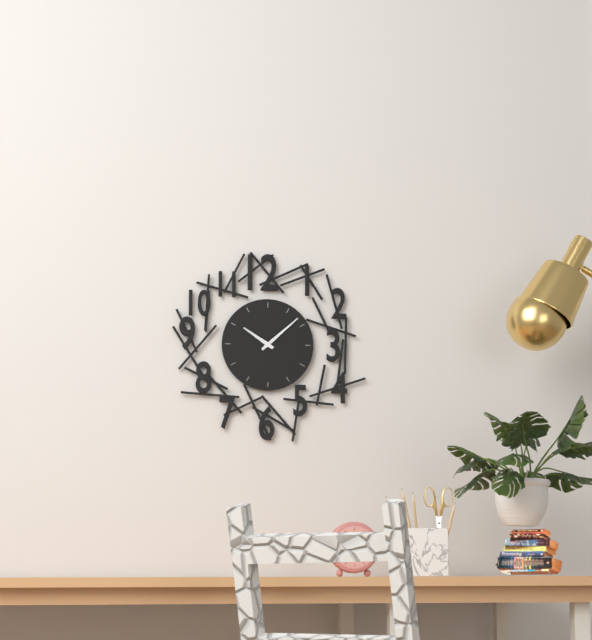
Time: **10:08**
